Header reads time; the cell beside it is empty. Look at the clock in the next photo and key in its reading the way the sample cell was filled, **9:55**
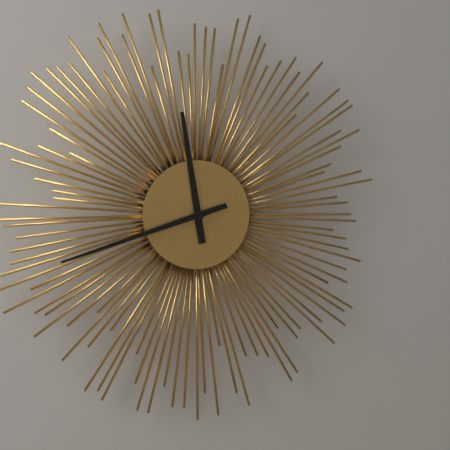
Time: **11:42**
